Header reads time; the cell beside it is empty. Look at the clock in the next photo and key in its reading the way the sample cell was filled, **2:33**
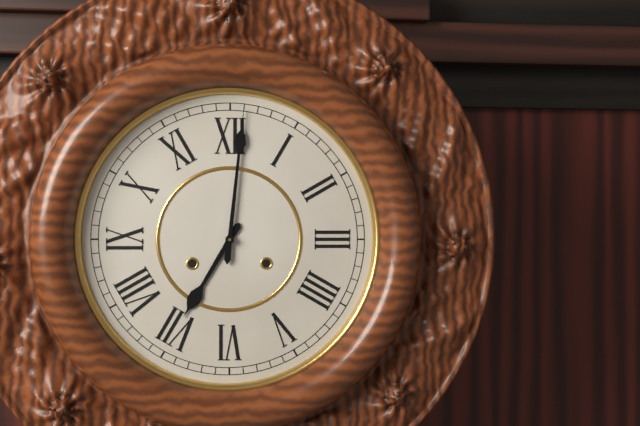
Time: **7:01**
